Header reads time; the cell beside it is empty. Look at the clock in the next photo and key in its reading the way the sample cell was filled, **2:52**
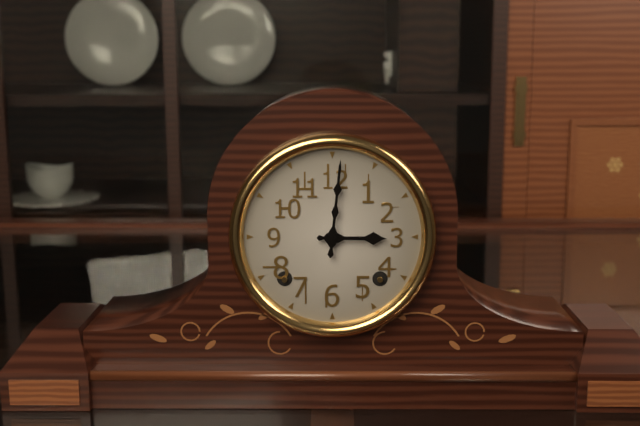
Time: **3:01**
